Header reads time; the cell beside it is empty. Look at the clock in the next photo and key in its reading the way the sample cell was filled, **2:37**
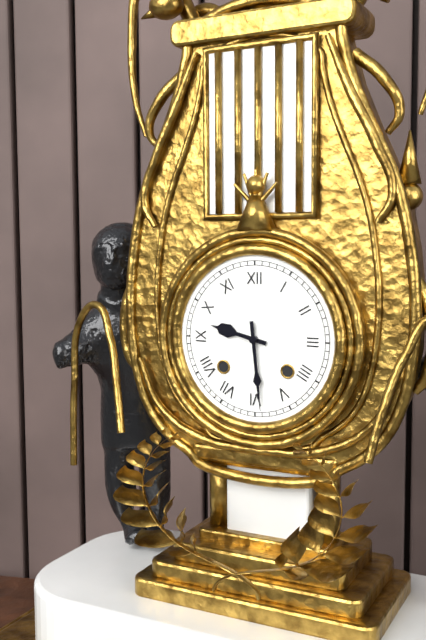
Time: **9:29**
